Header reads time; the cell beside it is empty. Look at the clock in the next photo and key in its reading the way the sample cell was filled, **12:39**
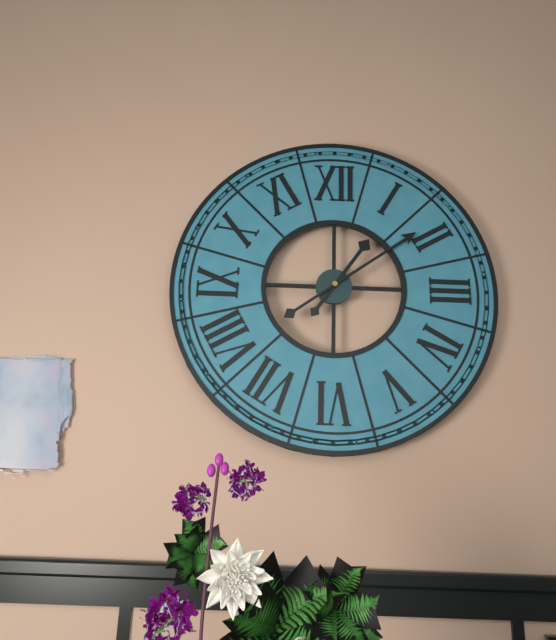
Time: **1:09**
